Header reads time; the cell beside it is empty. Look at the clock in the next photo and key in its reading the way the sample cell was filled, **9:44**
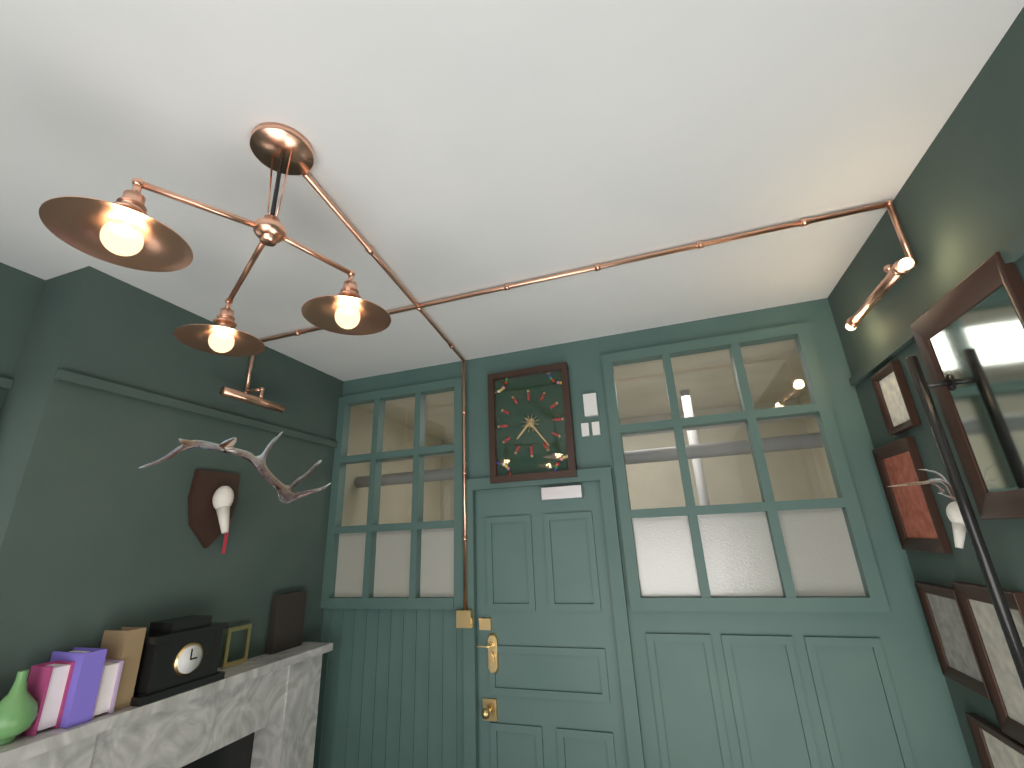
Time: **7:24**
